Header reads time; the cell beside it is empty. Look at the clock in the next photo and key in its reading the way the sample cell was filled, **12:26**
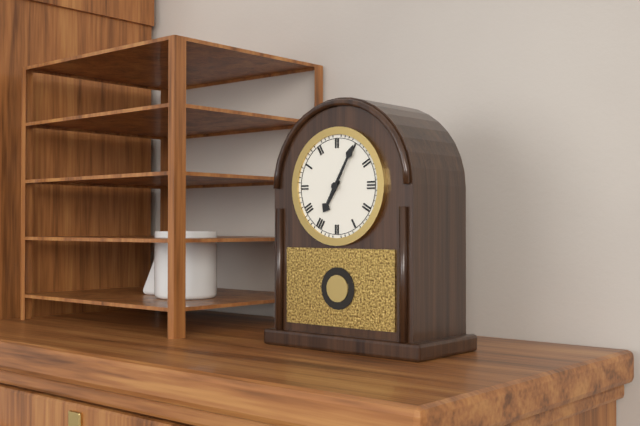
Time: **7:05**
